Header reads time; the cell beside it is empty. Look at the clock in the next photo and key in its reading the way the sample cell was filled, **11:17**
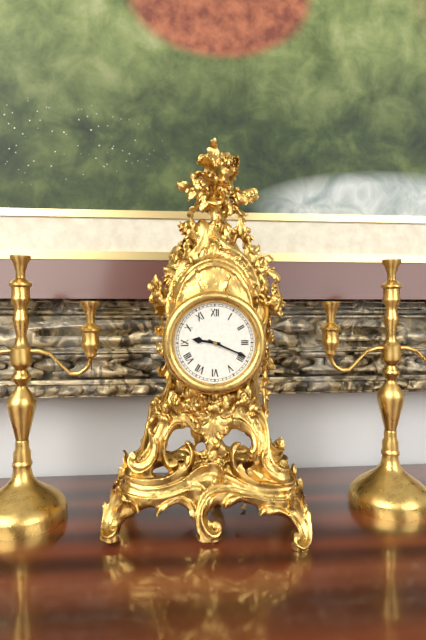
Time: **9:19**
